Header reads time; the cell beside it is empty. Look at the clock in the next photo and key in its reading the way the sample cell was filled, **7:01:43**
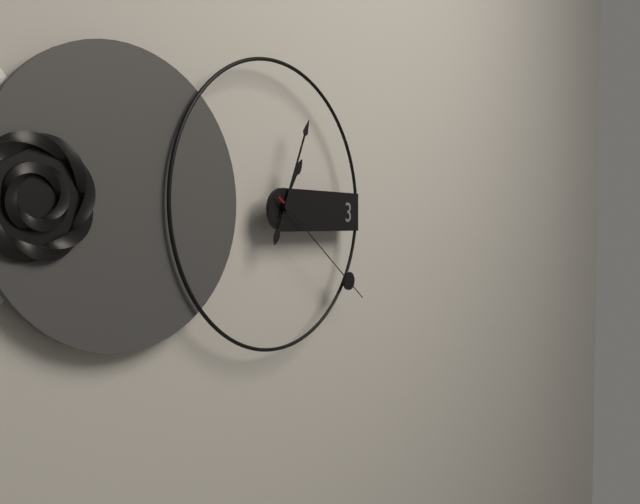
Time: **1:04:21**
